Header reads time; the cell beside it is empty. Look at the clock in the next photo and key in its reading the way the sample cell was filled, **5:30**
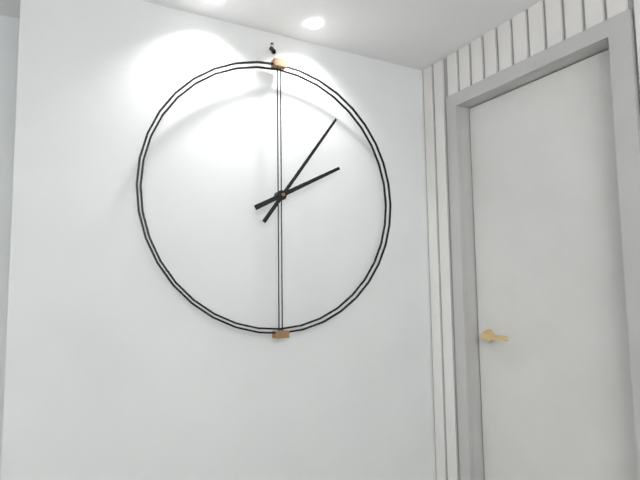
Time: **2:06**
